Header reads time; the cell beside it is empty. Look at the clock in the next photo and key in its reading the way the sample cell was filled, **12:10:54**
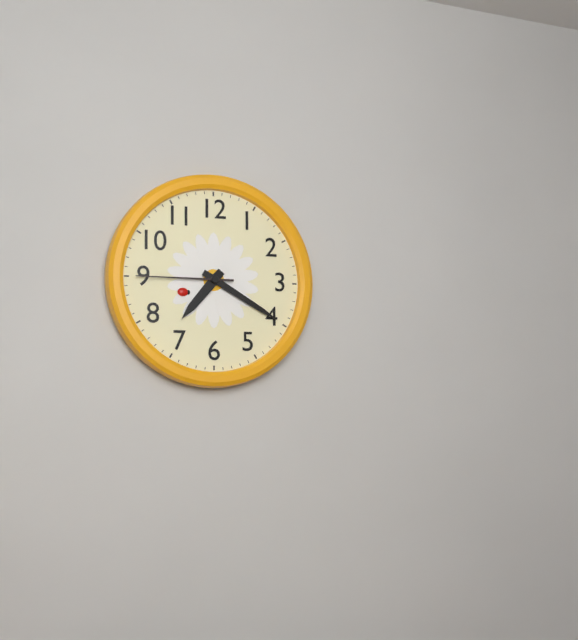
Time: **7:20:45**
